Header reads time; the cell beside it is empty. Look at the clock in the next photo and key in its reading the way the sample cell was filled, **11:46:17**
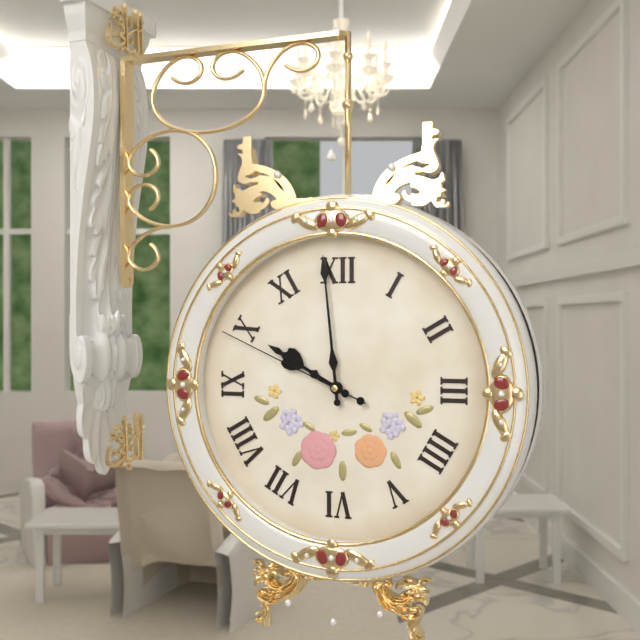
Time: **9:59:49**
